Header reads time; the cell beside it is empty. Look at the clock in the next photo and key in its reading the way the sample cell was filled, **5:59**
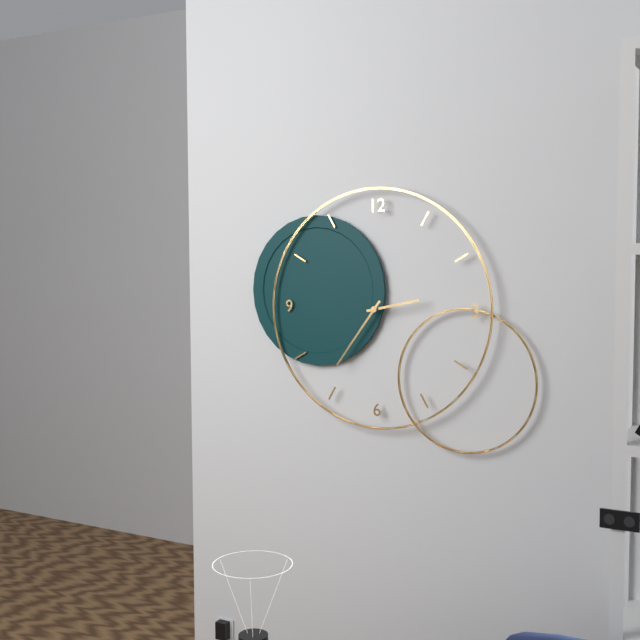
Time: **2:36**
